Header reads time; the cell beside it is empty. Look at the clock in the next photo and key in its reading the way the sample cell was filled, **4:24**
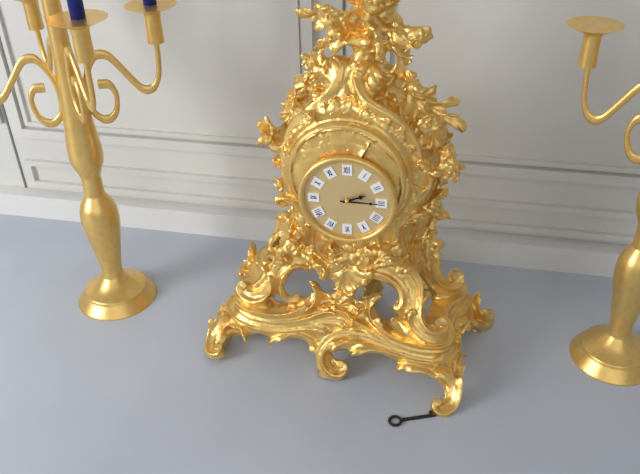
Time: **2:15**
